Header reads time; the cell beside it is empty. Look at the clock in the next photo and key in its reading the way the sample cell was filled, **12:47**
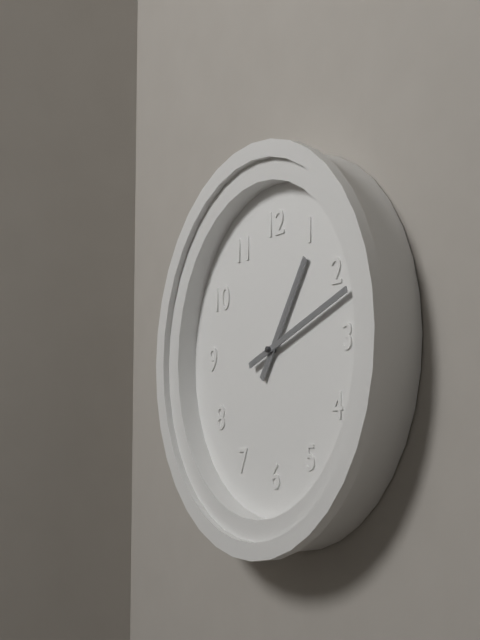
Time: **1:12**
